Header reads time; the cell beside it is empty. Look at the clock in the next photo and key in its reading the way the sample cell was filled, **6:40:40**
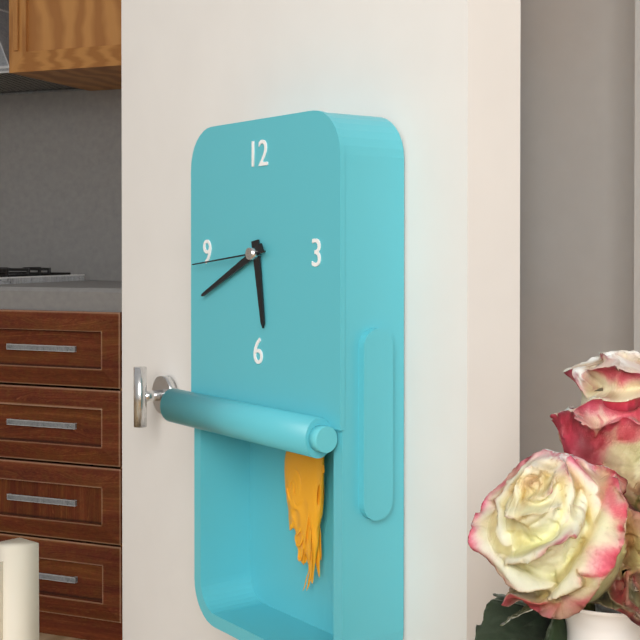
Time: **5:41:44**
